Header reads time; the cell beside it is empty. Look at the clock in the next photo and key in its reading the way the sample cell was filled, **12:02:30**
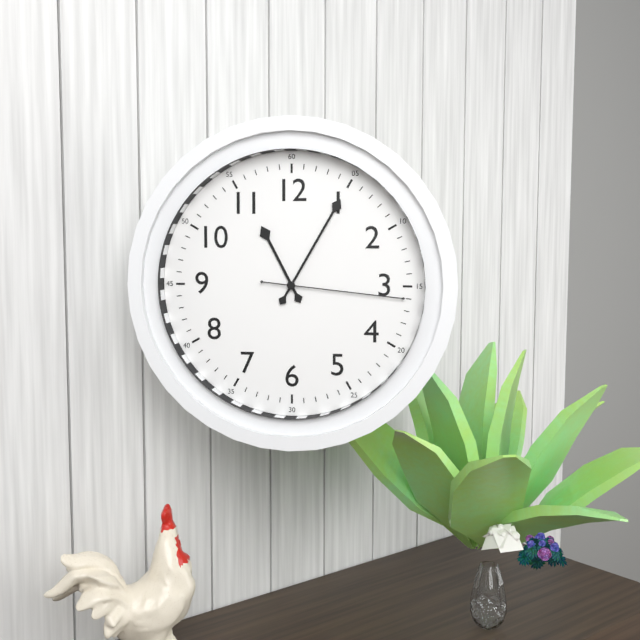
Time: **11:05:16**
